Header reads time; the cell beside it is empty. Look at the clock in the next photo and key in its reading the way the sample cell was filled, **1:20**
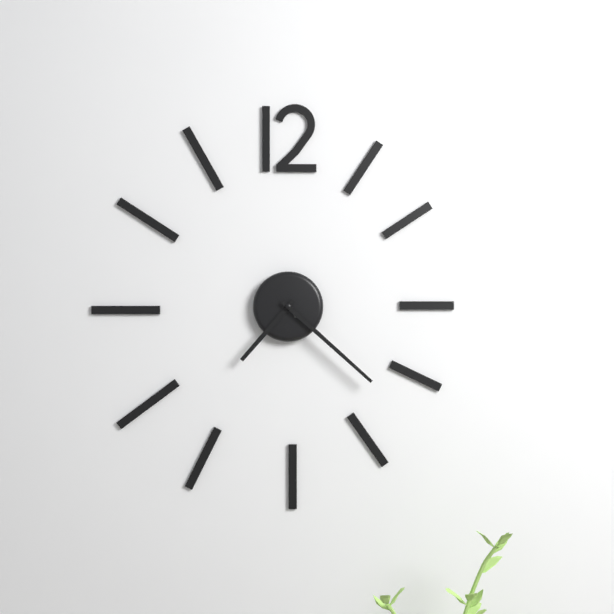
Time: **7:22**
